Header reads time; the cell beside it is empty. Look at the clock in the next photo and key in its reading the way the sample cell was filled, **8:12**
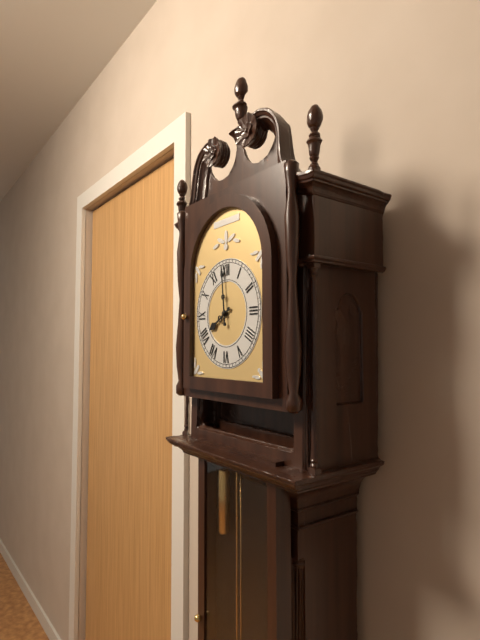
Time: **7:59**
